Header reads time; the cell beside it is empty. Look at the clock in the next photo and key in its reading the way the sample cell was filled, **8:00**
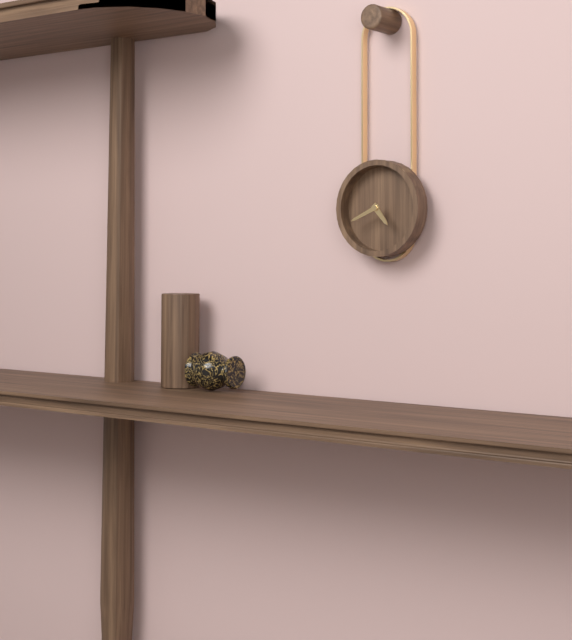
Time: **4:41**
